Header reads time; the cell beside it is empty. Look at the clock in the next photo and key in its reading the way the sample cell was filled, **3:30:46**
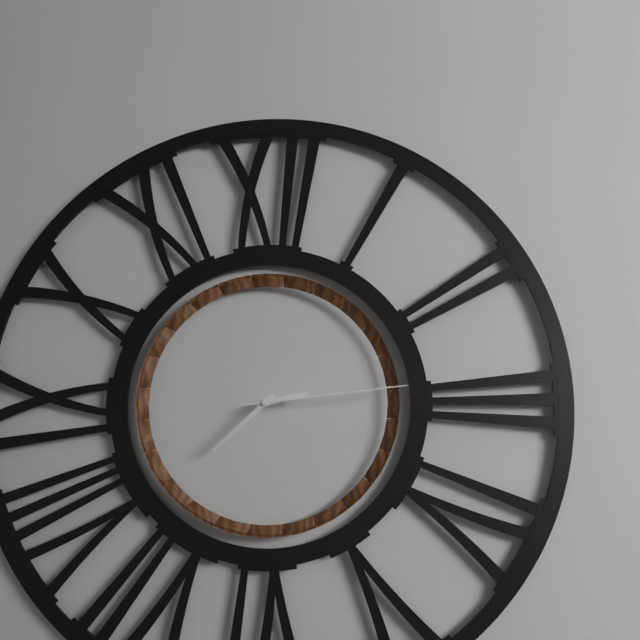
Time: **2:38:14**
